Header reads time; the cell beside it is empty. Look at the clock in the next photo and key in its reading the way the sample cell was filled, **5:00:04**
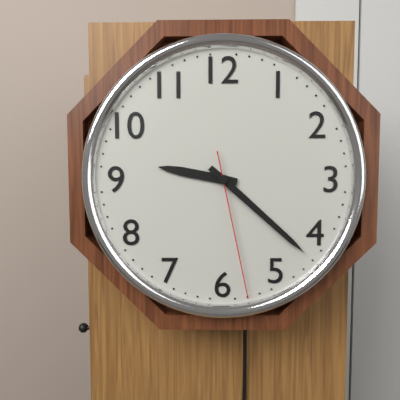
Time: **9:22:28**
